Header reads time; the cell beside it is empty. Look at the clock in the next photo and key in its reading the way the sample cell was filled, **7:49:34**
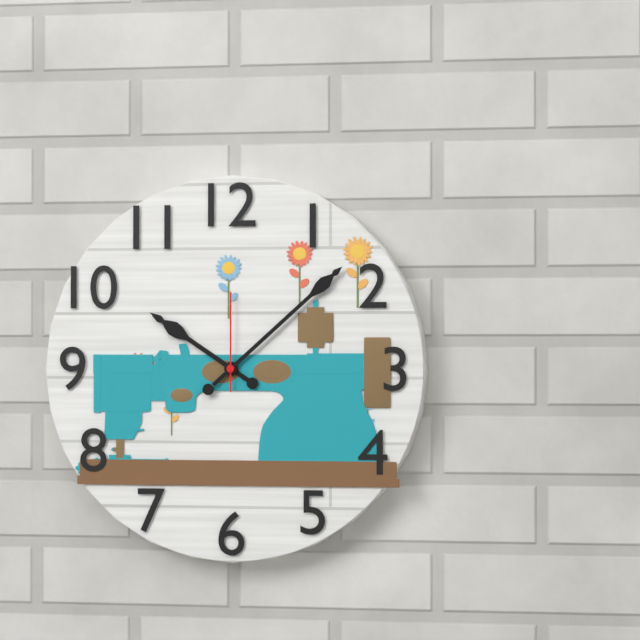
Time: **10:08:00**
